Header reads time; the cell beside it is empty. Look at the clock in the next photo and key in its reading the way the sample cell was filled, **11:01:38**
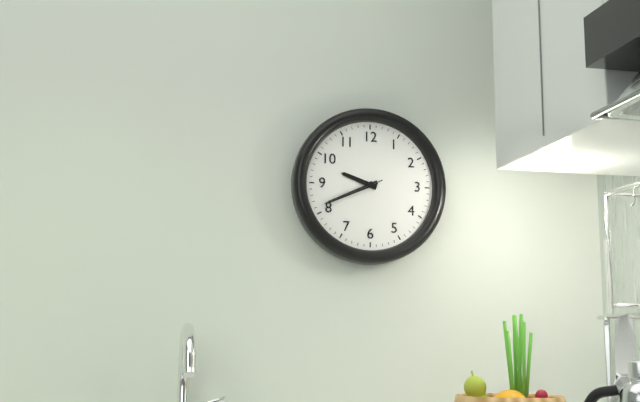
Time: **9:41:41**
